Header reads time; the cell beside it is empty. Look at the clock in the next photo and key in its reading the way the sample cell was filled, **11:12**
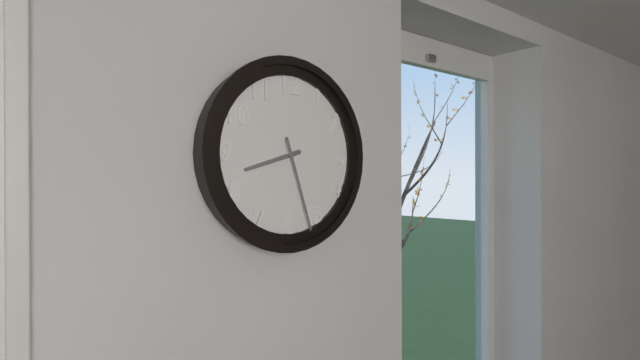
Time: **8:27**
